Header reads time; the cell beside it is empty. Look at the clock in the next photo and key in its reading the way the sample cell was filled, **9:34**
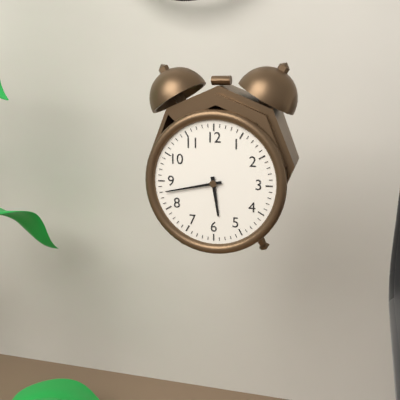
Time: **5:43**
